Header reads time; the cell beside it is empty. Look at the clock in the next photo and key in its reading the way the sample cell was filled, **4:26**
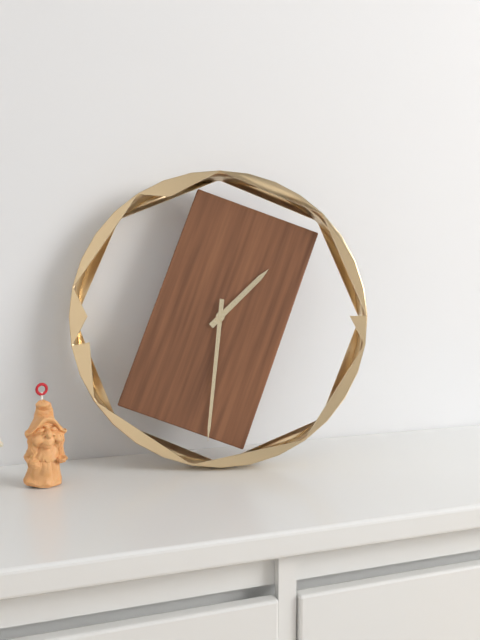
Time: **1:31**
